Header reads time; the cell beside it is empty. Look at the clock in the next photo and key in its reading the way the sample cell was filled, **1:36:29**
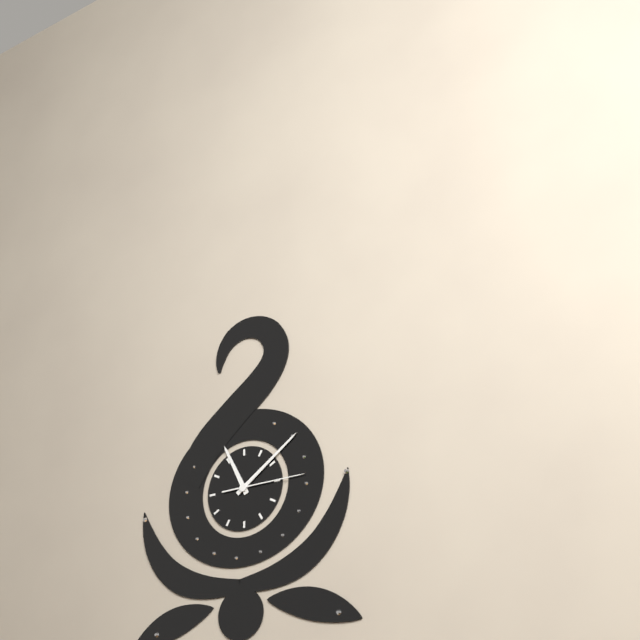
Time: **11:09:15**
